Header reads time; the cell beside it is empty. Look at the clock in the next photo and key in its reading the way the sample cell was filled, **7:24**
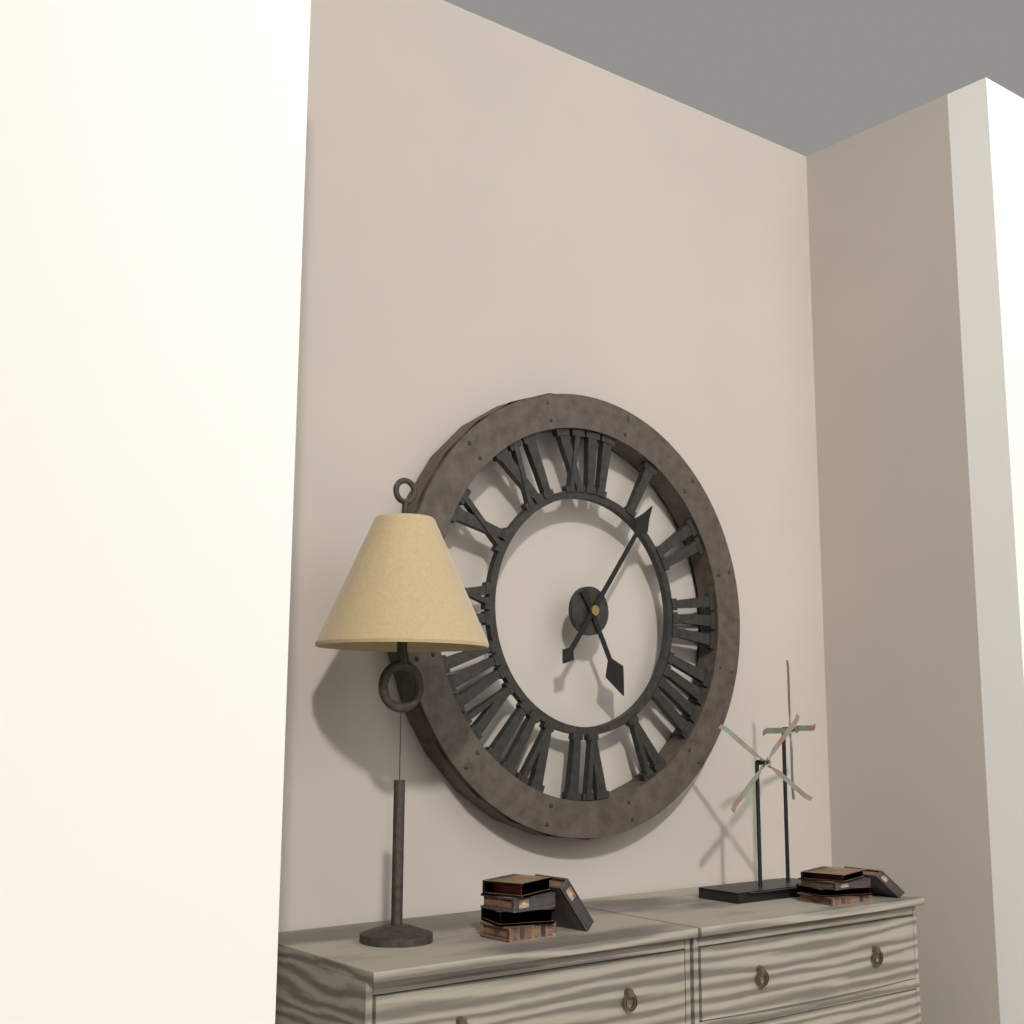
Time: **5:06**
